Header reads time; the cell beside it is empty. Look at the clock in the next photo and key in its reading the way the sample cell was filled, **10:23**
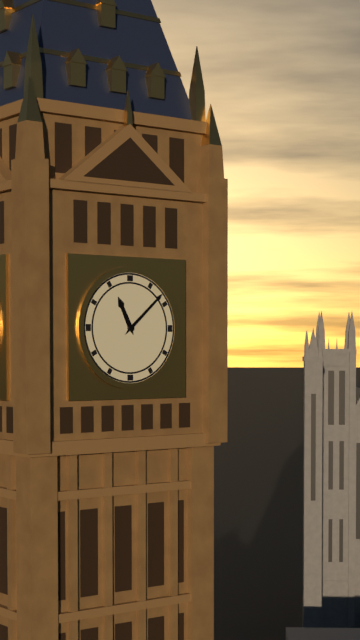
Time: **11:08**
